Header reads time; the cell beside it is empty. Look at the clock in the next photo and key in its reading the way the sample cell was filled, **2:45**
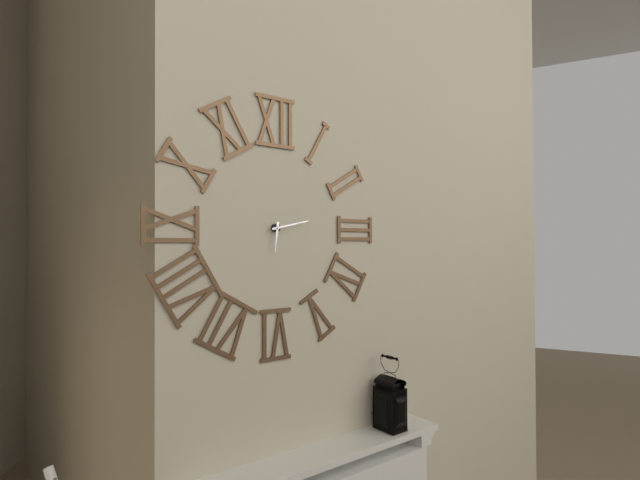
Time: **6:13**
